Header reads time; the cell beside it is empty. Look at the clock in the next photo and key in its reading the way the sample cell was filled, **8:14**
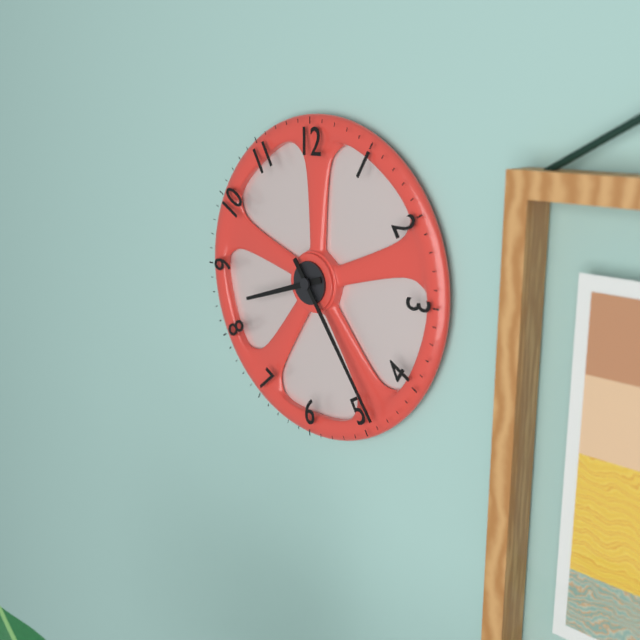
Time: **8:24**
